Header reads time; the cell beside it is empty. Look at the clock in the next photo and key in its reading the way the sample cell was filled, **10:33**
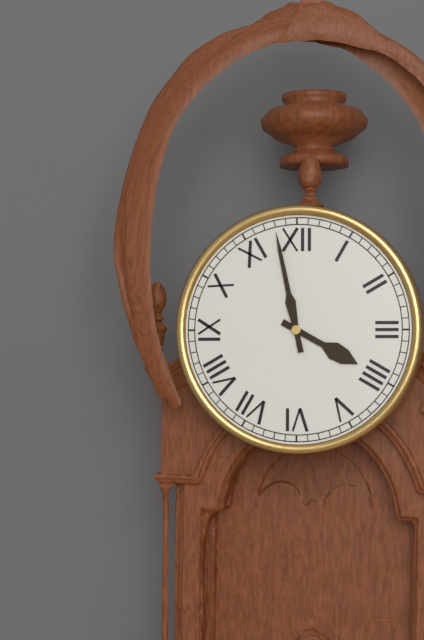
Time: **3:58**
